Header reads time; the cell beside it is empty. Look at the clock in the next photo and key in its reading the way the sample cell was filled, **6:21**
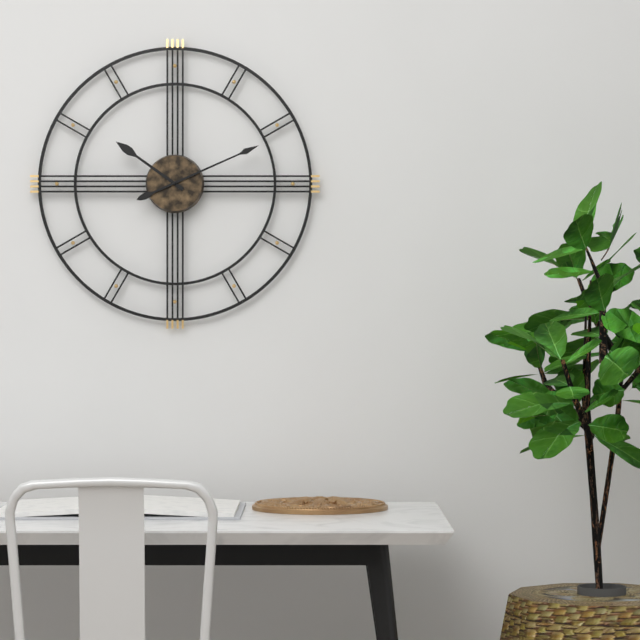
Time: **10:11**
